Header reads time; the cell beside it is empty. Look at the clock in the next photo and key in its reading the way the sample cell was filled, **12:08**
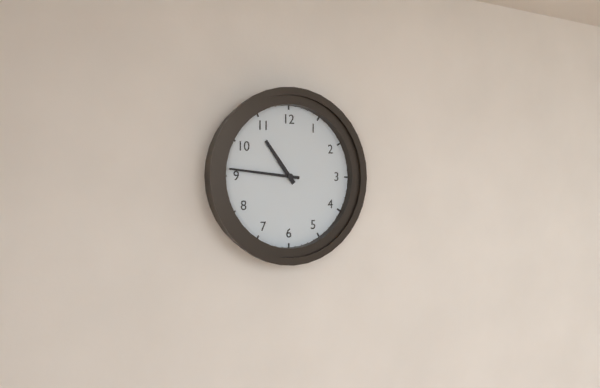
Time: **10:46**
